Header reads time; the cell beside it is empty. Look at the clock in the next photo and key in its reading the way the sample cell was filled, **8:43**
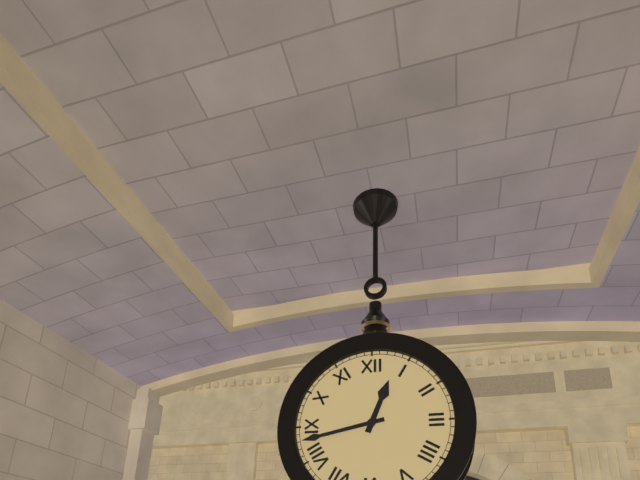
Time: **12:43**
